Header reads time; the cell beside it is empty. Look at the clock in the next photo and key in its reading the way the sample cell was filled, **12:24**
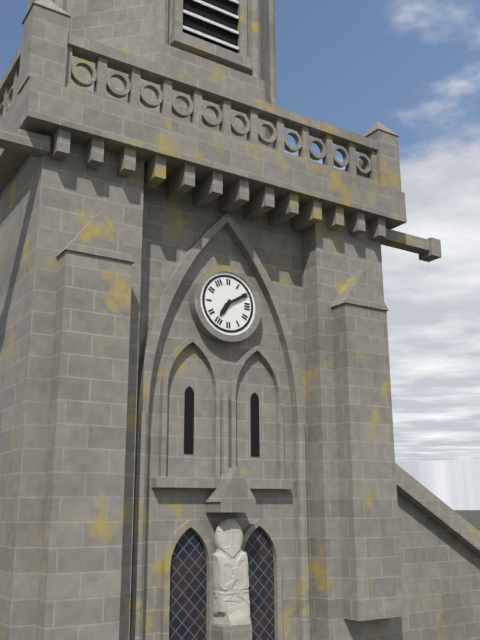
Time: **7:10**
